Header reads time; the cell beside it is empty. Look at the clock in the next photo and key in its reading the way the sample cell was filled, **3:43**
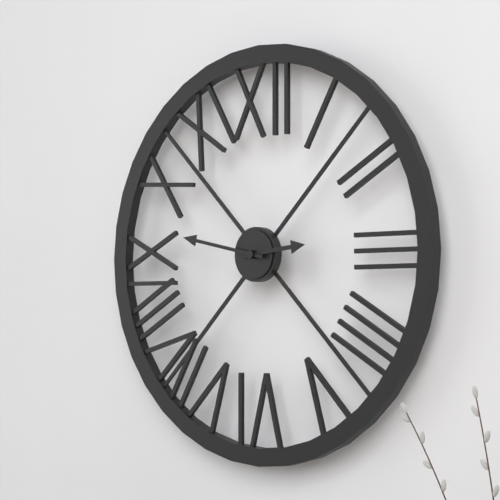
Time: **2:47**
